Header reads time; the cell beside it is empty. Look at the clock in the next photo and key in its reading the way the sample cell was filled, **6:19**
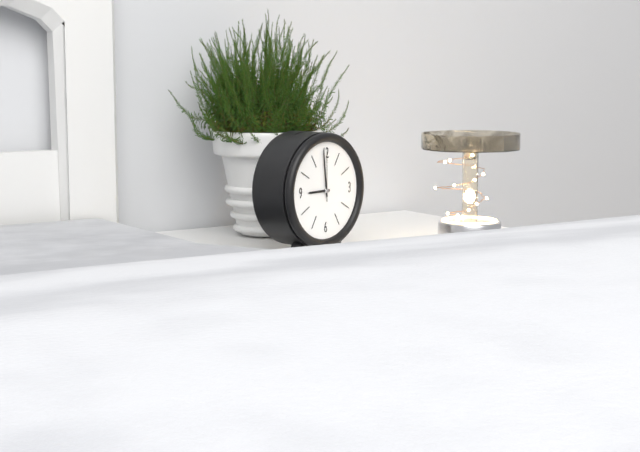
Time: **8:59**
